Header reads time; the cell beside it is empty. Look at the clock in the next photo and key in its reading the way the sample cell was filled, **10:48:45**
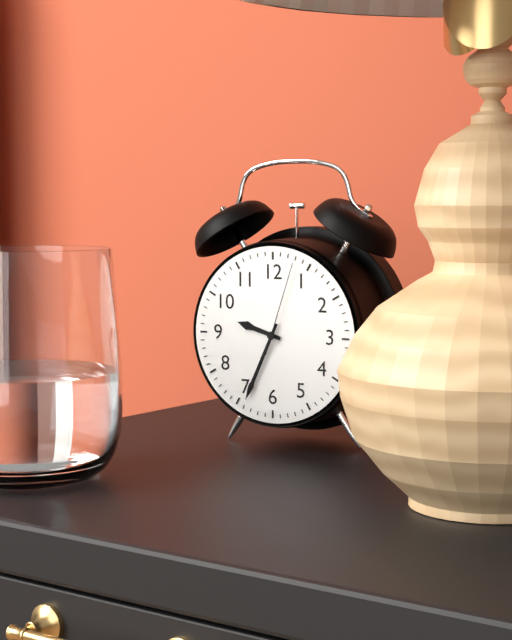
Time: **9:34:03**
